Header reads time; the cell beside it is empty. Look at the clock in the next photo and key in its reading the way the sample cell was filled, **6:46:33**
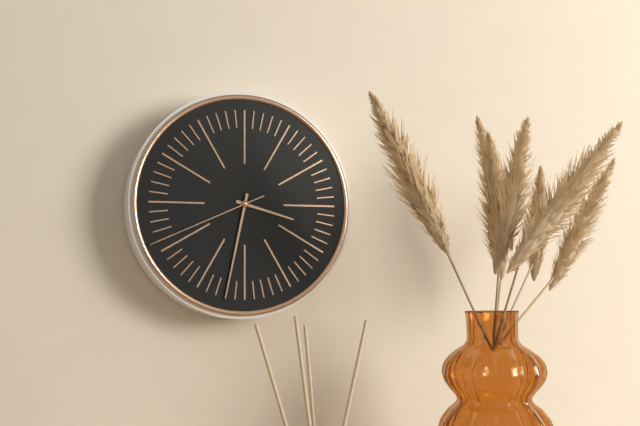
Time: **3:32:41**
